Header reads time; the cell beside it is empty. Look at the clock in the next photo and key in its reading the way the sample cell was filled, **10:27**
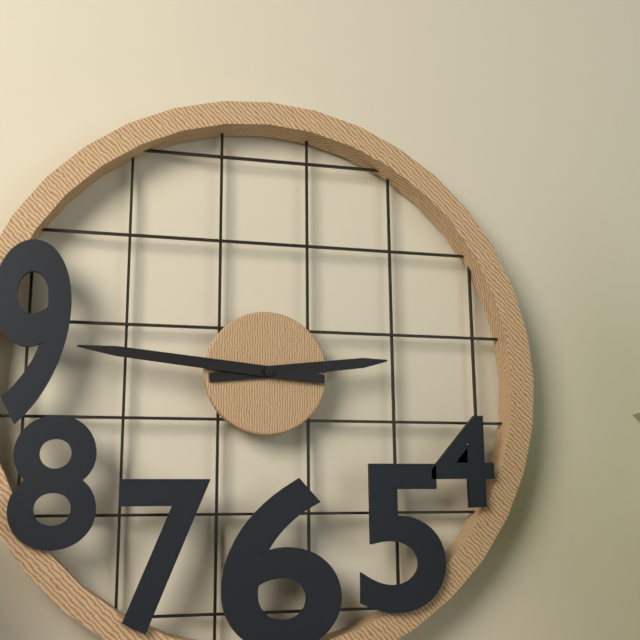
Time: **2:46**
